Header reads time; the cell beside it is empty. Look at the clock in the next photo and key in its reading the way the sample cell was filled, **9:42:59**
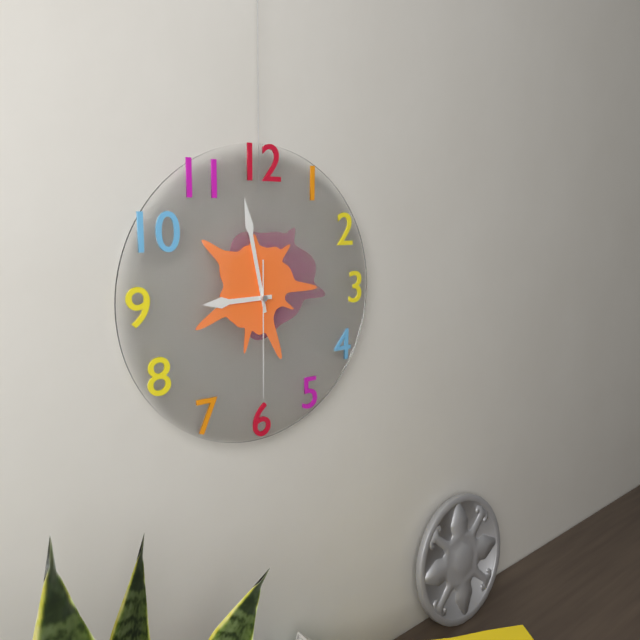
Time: **8:58:30**
